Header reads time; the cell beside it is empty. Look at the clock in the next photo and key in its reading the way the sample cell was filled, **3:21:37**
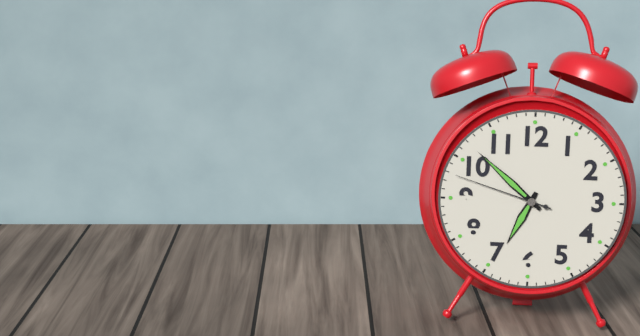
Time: **6:52:48**
